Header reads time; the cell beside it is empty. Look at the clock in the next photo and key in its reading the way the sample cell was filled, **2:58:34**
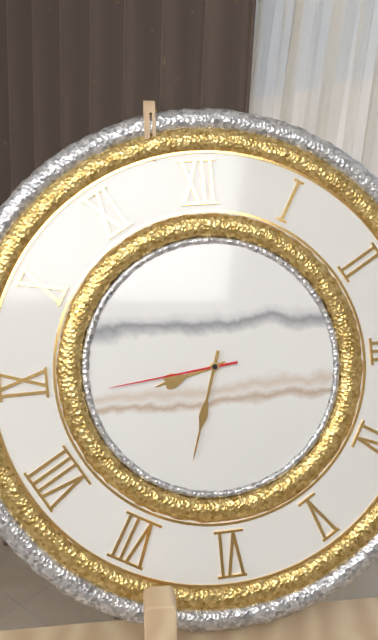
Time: **8:33:44**
